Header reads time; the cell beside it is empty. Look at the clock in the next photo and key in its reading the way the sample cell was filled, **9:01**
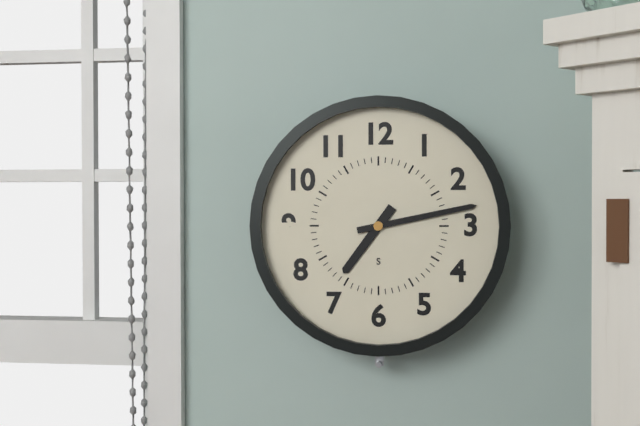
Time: **7:13**
